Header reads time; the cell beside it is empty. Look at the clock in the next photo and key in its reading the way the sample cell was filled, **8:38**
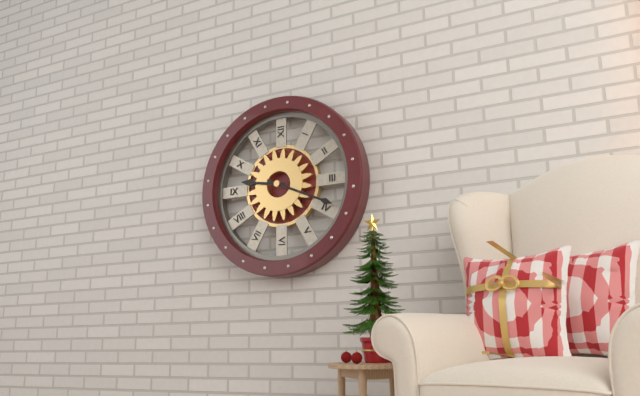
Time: **9:19**
